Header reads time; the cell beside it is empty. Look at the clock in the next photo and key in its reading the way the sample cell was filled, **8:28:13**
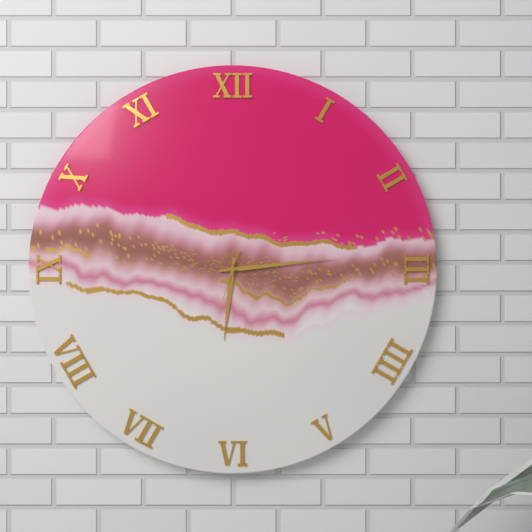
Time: **6:14:33**
